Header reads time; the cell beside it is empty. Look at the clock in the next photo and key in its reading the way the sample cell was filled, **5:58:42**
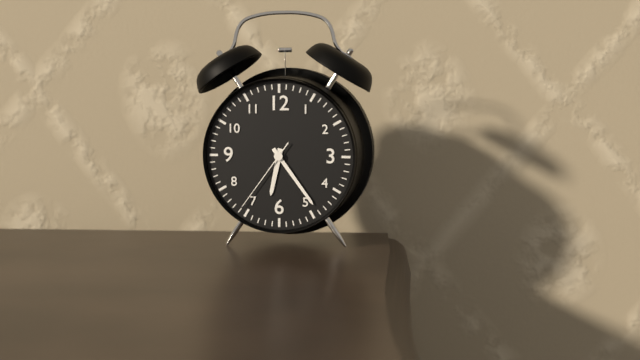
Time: **6:24:36**
